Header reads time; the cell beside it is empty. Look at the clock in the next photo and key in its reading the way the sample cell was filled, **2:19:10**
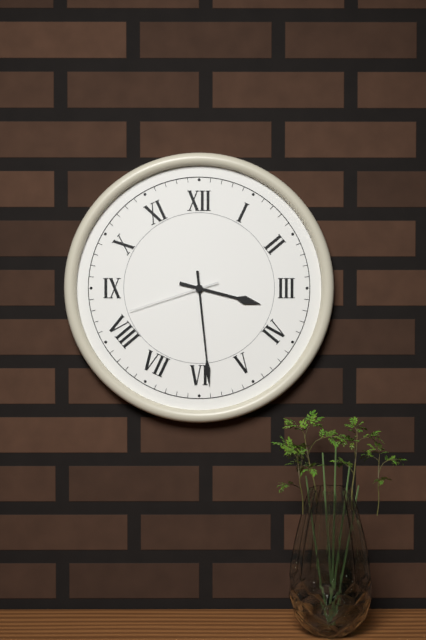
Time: **3:29:42**
